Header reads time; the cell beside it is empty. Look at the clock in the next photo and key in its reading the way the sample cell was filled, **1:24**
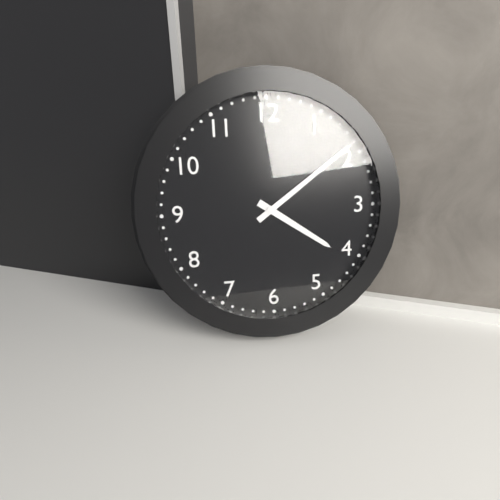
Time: **4:09**
